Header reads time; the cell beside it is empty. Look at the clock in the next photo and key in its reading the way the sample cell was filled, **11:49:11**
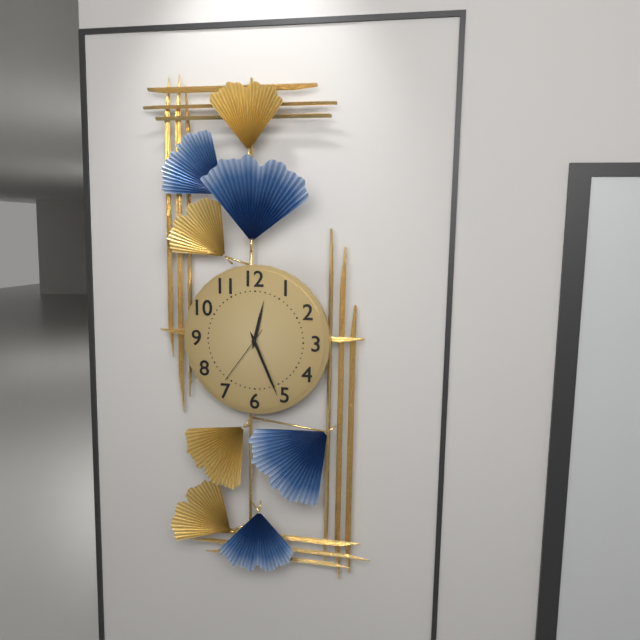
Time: **12:26:36**
